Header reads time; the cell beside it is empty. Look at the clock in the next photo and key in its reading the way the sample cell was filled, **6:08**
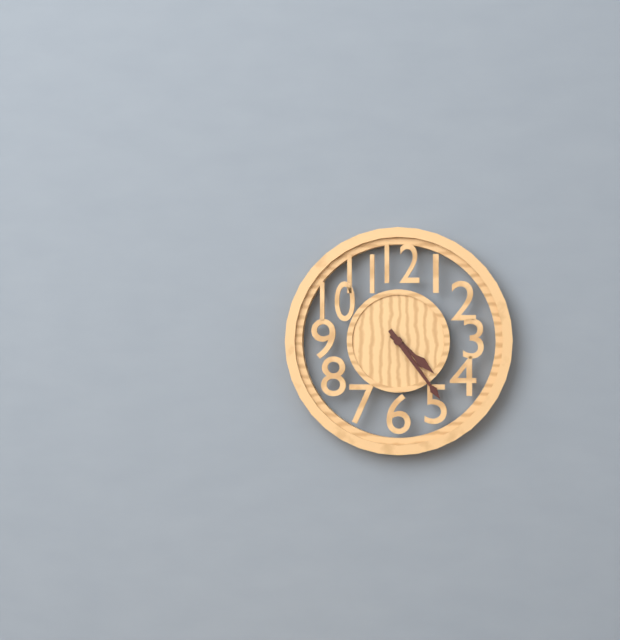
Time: **4:24**
